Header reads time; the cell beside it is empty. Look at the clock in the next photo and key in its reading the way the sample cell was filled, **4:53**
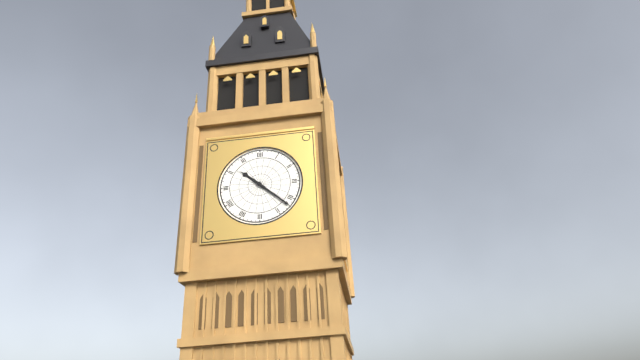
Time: **10:22**
